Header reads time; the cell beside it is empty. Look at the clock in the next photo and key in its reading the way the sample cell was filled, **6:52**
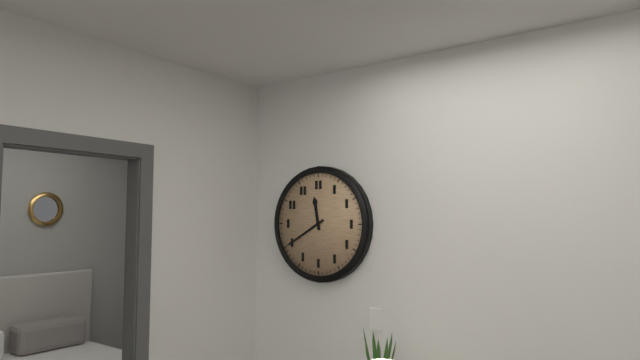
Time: **11:40**
